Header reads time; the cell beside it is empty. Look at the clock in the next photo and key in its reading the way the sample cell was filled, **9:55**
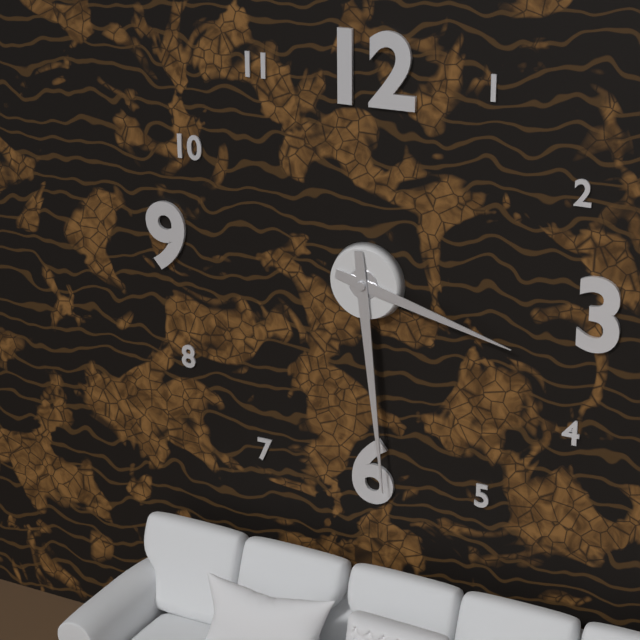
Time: **3:29**
